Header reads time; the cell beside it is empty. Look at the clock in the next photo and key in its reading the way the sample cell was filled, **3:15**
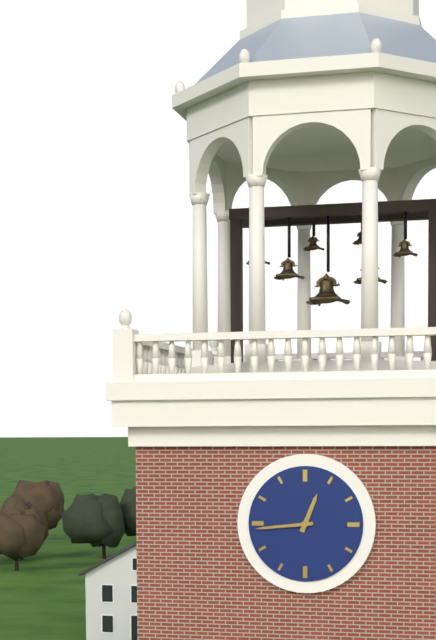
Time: **12:44**
